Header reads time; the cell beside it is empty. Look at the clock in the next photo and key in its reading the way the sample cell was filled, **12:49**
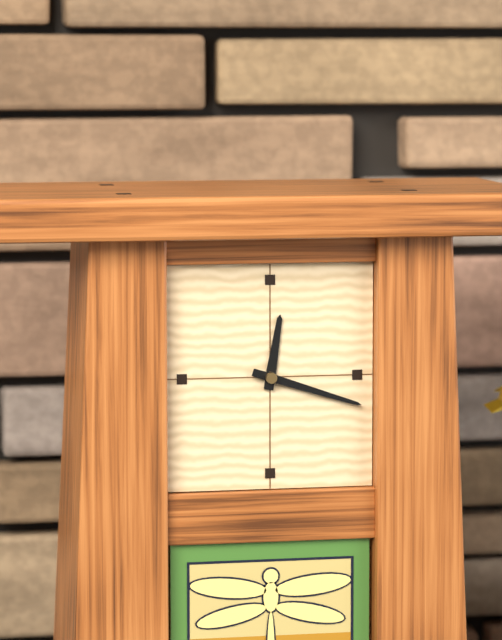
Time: **12:18**
